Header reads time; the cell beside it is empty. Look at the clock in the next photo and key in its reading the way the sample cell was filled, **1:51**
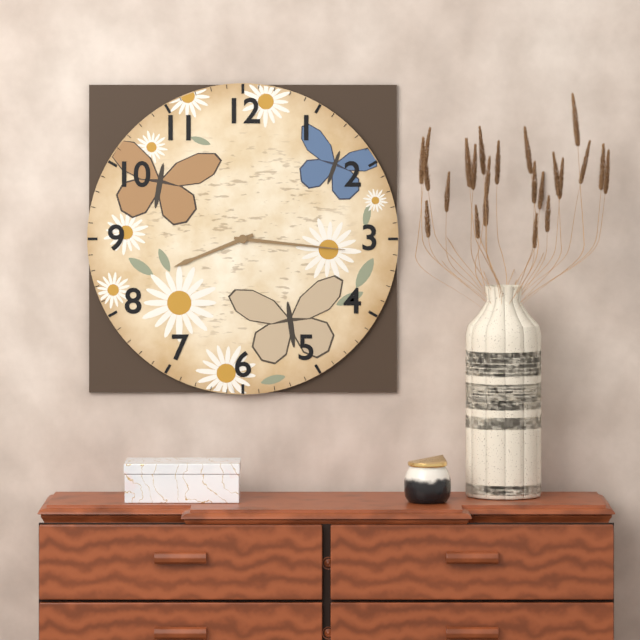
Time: **8:16**
